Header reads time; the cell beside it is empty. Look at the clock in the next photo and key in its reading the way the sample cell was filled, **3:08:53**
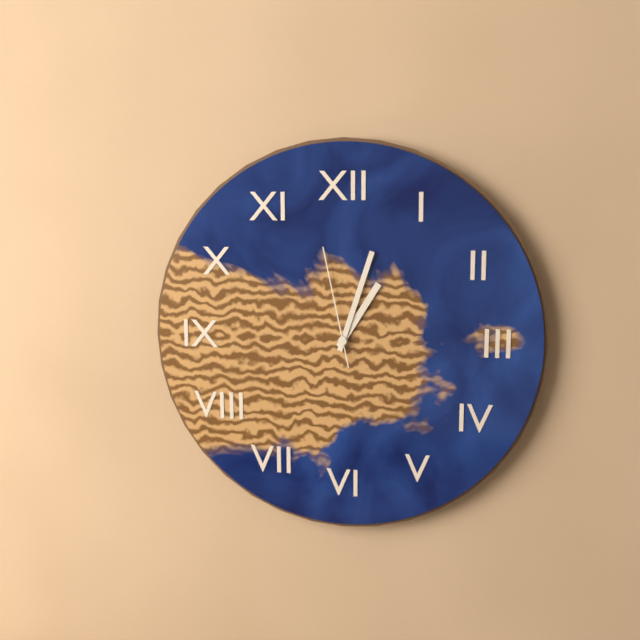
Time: **1:03:58**
